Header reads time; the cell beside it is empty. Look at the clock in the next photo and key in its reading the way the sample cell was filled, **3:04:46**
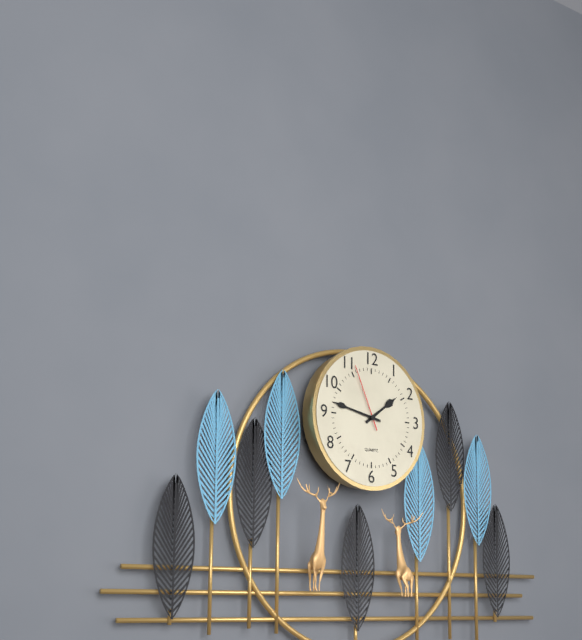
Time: **1:47:56**
